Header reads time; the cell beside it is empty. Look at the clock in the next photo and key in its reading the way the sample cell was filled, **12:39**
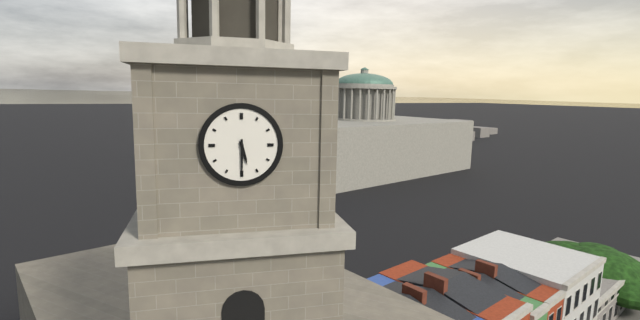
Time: **5:30**
